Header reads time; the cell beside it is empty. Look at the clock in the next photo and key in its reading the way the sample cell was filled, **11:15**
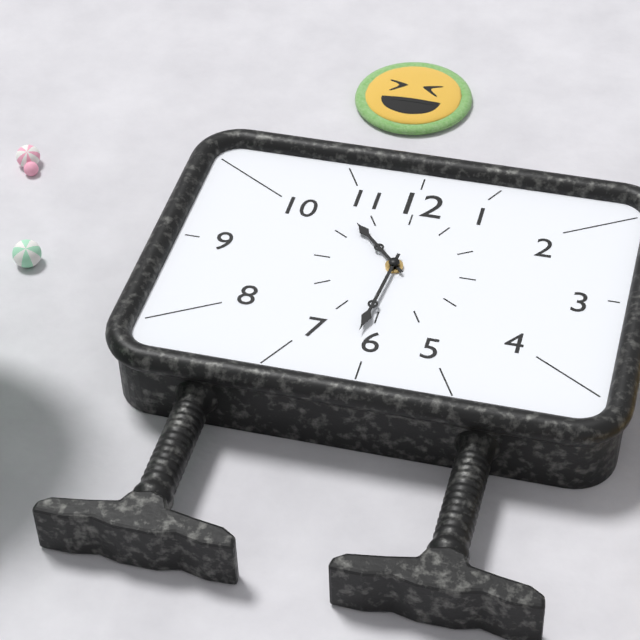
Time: **10:31**
